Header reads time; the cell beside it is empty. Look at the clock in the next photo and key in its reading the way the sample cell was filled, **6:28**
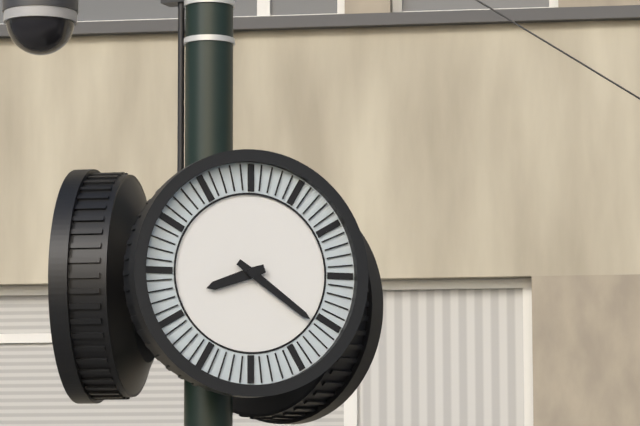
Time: **8:21**
